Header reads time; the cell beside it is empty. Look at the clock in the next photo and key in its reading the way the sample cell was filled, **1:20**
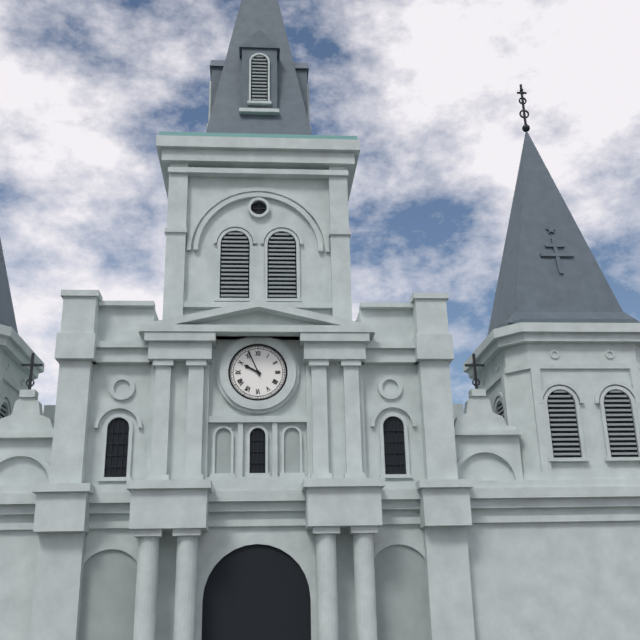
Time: **9:56**
